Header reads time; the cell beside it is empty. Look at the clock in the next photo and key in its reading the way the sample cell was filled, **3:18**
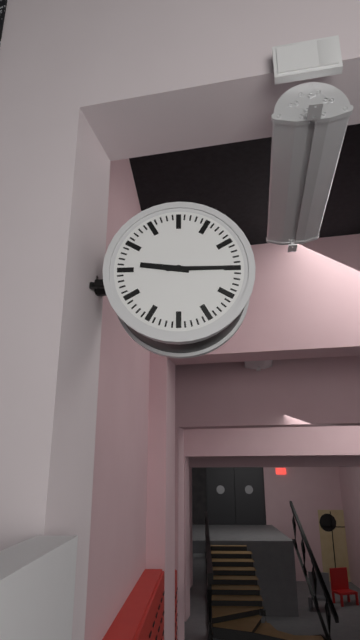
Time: **9:15**
